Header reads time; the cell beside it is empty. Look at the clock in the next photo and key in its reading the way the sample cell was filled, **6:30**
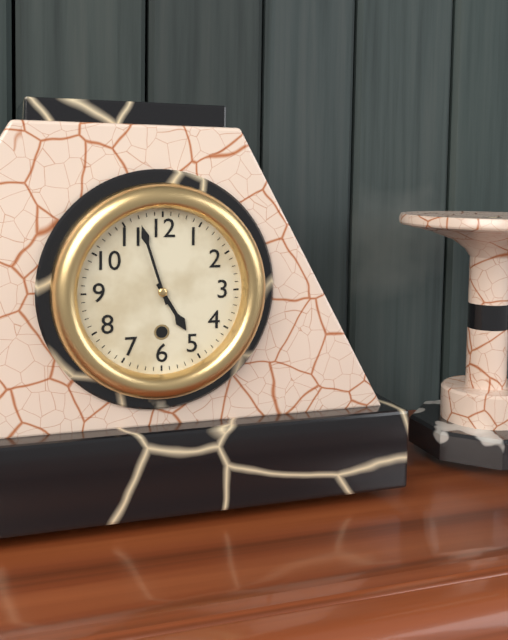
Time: **4:57**
